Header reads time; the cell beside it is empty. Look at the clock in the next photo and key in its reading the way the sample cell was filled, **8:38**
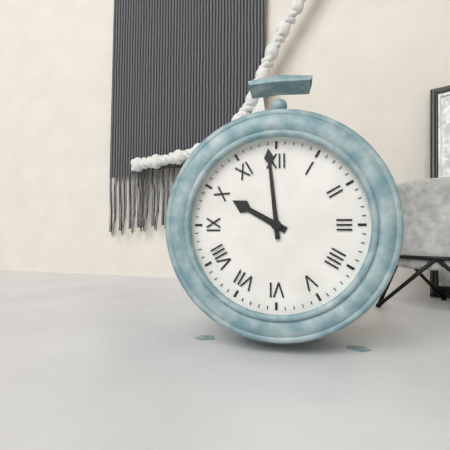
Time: **9:59**
